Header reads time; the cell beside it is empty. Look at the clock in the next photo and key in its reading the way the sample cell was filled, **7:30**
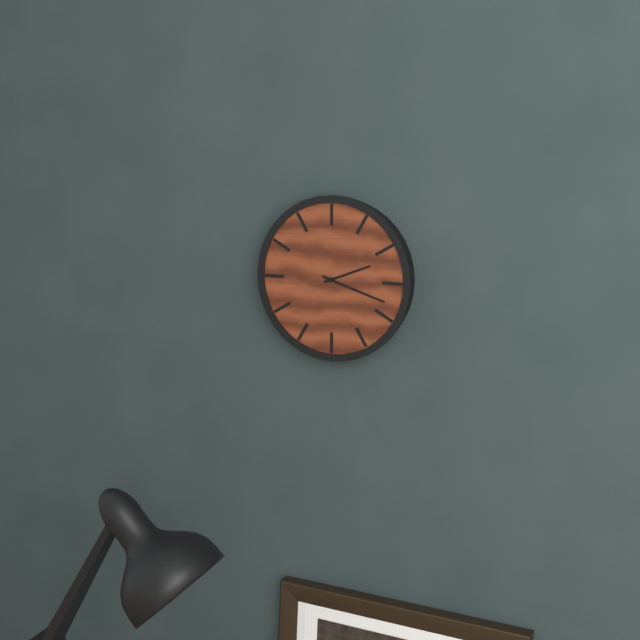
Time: **2:18**
